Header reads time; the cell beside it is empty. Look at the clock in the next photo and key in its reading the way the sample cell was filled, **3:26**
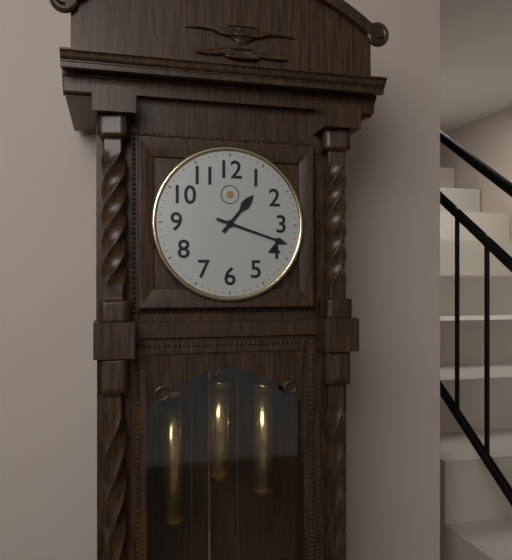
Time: **1:18**
